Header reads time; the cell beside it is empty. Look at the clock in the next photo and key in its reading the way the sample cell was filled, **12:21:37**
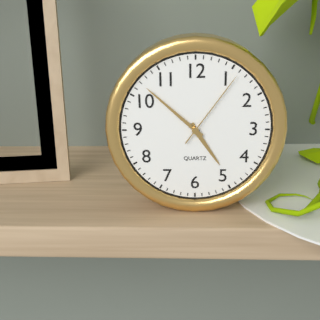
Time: **4:52:06**
